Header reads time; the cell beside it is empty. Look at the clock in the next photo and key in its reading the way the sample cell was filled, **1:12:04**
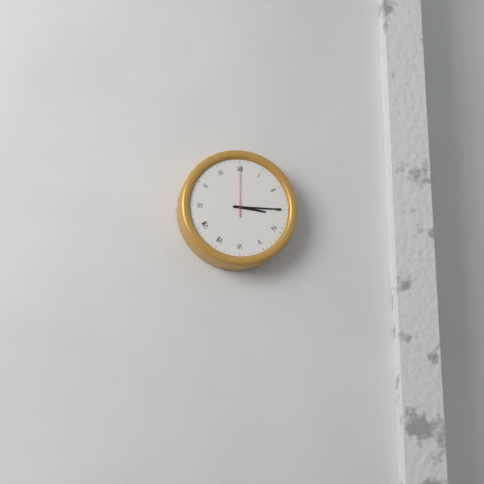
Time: **3:15:00**
